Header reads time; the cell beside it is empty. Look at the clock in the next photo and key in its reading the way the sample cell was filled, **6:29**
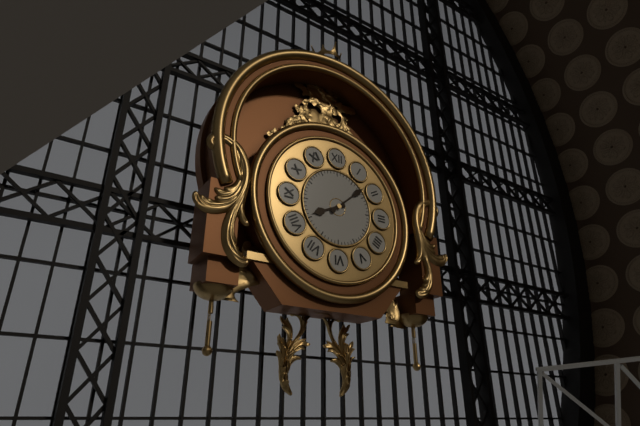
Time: **8:08**
